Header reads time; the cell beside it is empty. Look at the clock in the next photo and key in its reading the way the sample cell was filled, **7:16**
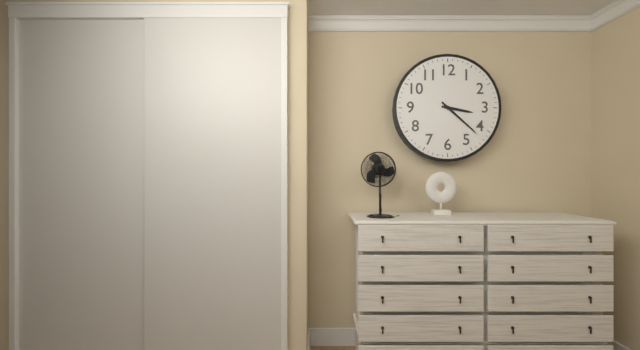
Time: **3:22**
